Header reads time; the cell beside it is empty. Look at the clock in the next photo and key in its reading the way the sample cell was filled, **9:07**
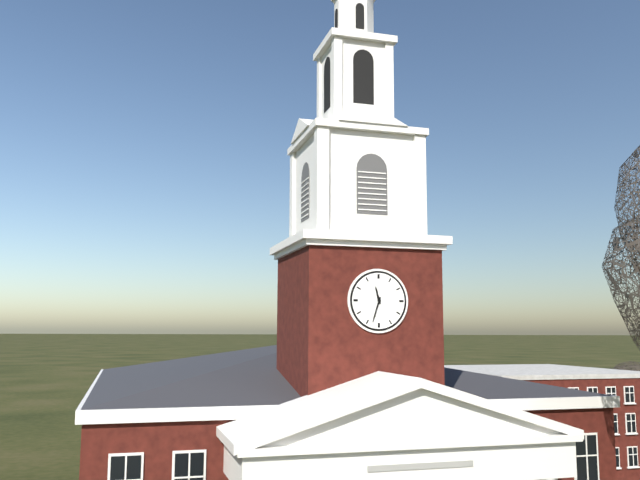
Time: **11:33**
